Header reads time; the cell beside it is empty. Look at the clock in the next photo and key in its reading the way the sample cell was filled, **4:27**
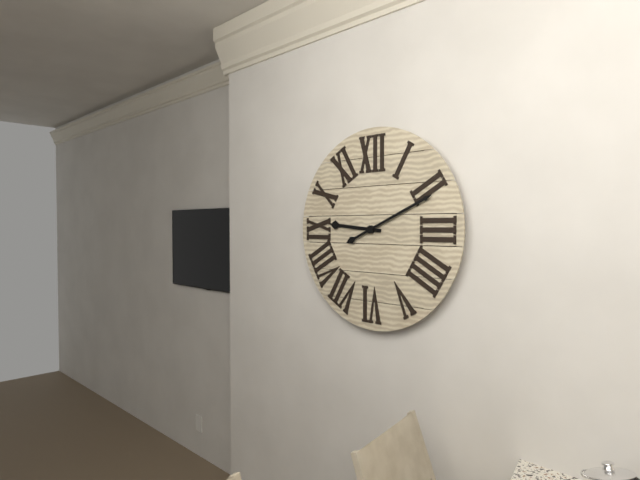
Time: **9:11**
